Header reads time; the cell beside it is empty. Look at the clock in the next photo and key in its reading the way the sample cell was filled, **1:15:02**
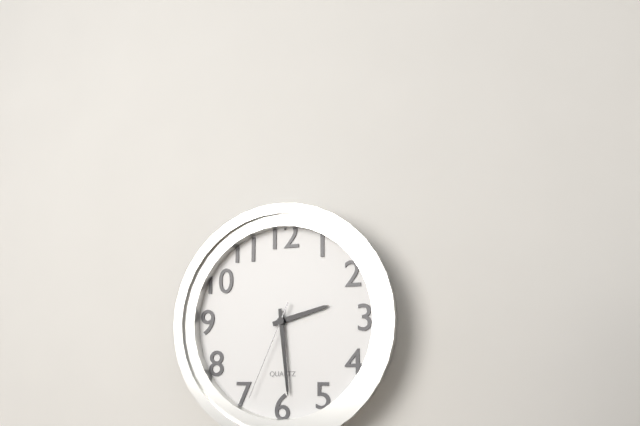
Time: **2:29:34**
